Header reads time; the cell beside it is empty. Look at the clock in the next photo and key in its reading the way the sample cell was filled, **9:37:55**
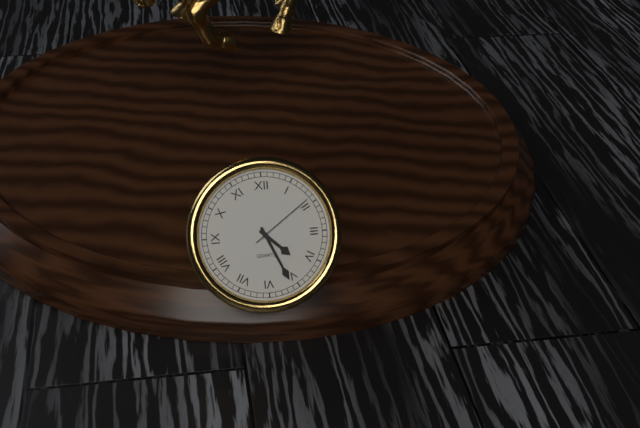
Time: **4:26:09**
